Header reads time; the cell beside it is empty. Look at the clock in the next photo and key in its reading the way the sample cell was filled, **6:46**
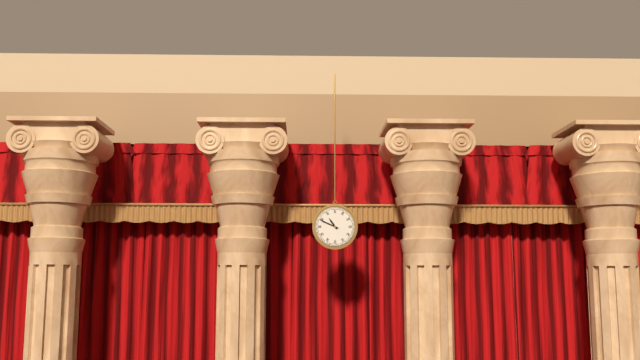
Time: **10:49**
